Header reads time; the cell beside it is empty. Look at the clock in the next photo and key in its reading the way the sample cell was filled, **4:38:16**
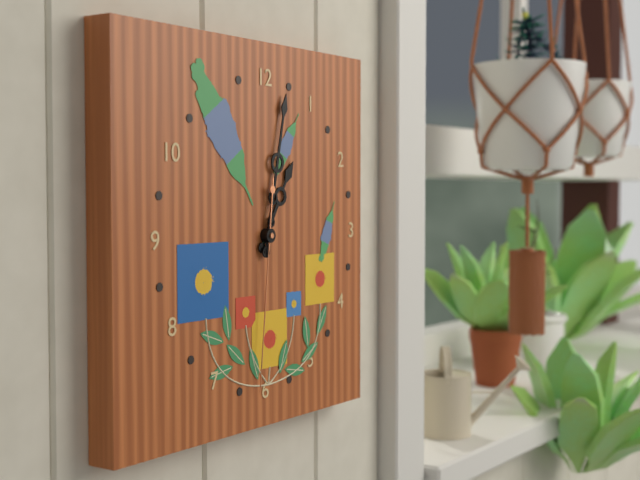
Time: **1:02:31**
